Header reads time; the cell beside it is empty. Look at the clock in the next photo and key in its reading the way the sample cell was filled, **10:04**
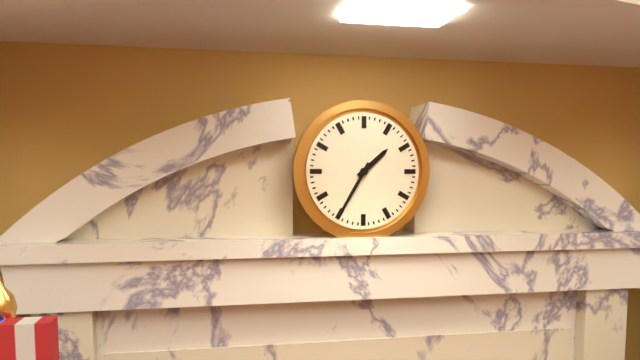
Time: **1:35**
